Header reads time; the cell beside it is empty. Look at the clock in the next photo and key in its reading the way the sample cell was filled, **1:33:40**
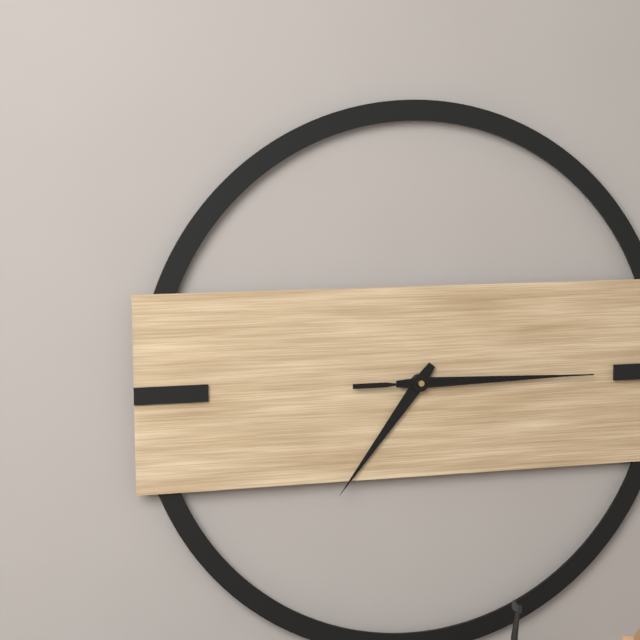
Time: **7:15:15**
